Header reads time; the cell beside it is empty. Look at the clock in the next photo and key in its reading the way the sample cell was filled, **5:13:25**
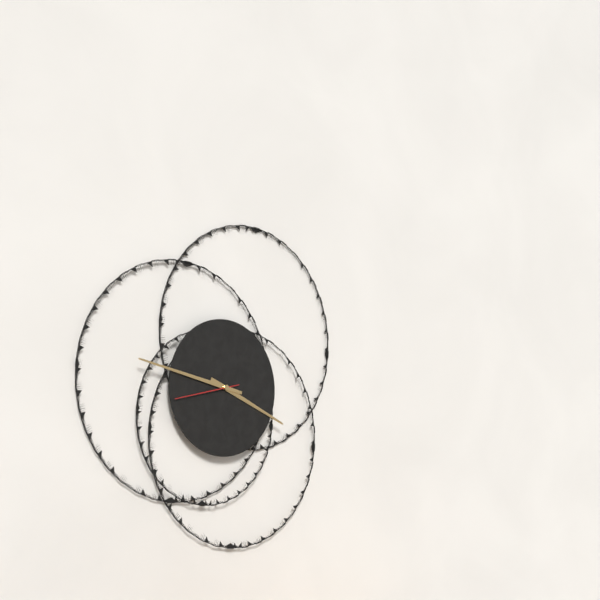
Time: **3:47:43**
